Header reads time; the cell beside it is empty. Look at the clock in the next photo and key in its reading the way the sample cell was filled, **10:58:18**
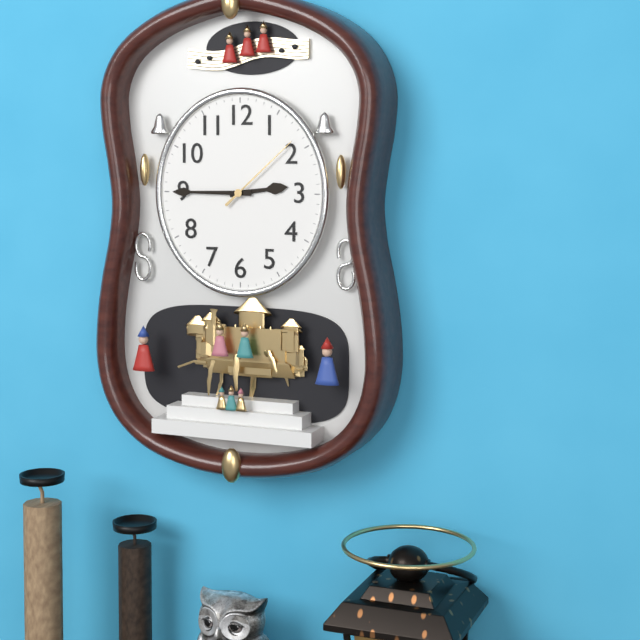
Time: **2:45:08**
